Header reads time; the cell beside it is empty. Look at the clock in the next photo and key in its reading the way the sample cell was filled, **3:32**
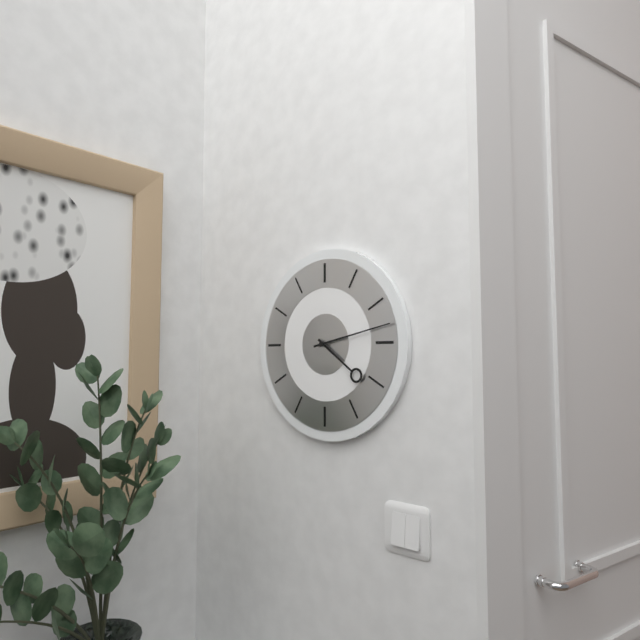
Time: **4:13**
